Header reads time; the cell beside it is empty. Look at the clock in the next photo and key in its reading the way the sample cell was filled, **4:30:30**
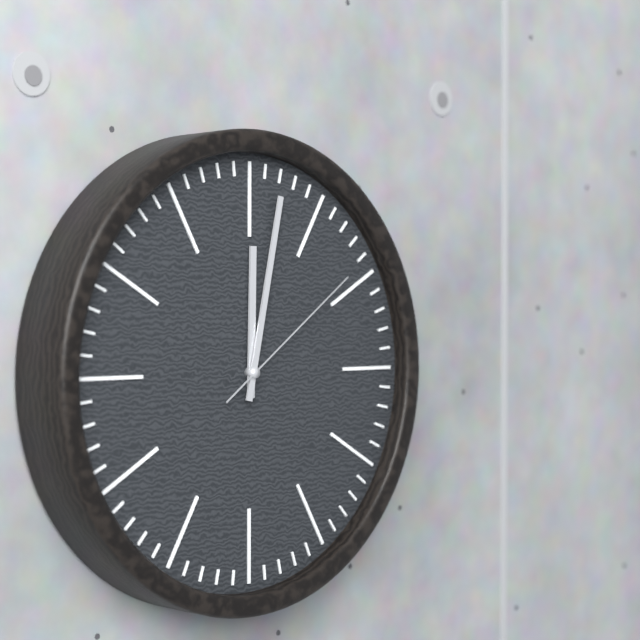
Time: **12:02:09**
